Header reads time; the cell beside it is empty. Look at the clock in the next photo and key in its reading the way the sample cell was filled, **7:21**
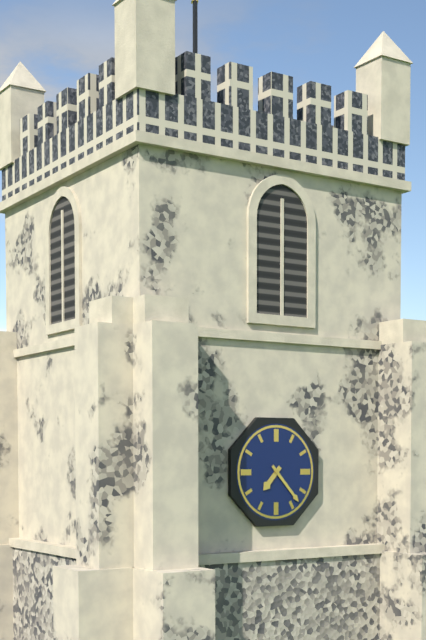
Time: **7:23**
